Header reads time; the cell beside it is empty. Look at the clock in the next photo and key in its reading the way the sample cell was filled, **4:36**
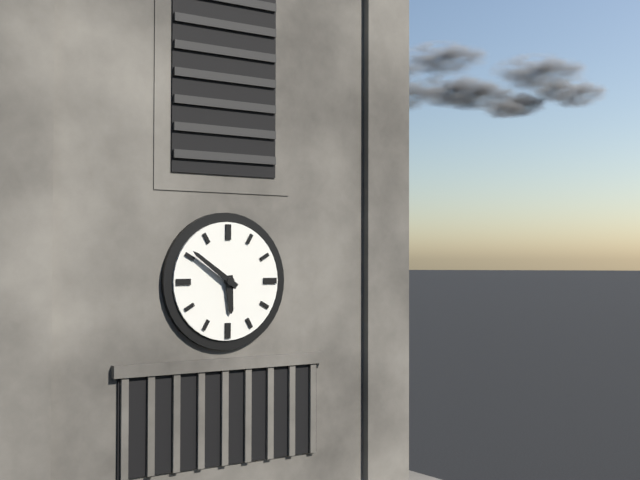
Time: **5:51**
